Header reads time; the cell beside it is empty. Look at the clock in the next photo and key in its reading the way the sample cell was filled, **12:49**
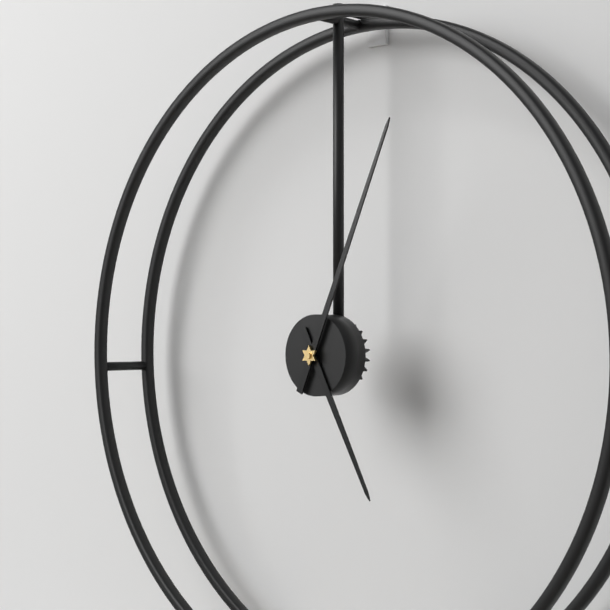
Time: **5:04**
